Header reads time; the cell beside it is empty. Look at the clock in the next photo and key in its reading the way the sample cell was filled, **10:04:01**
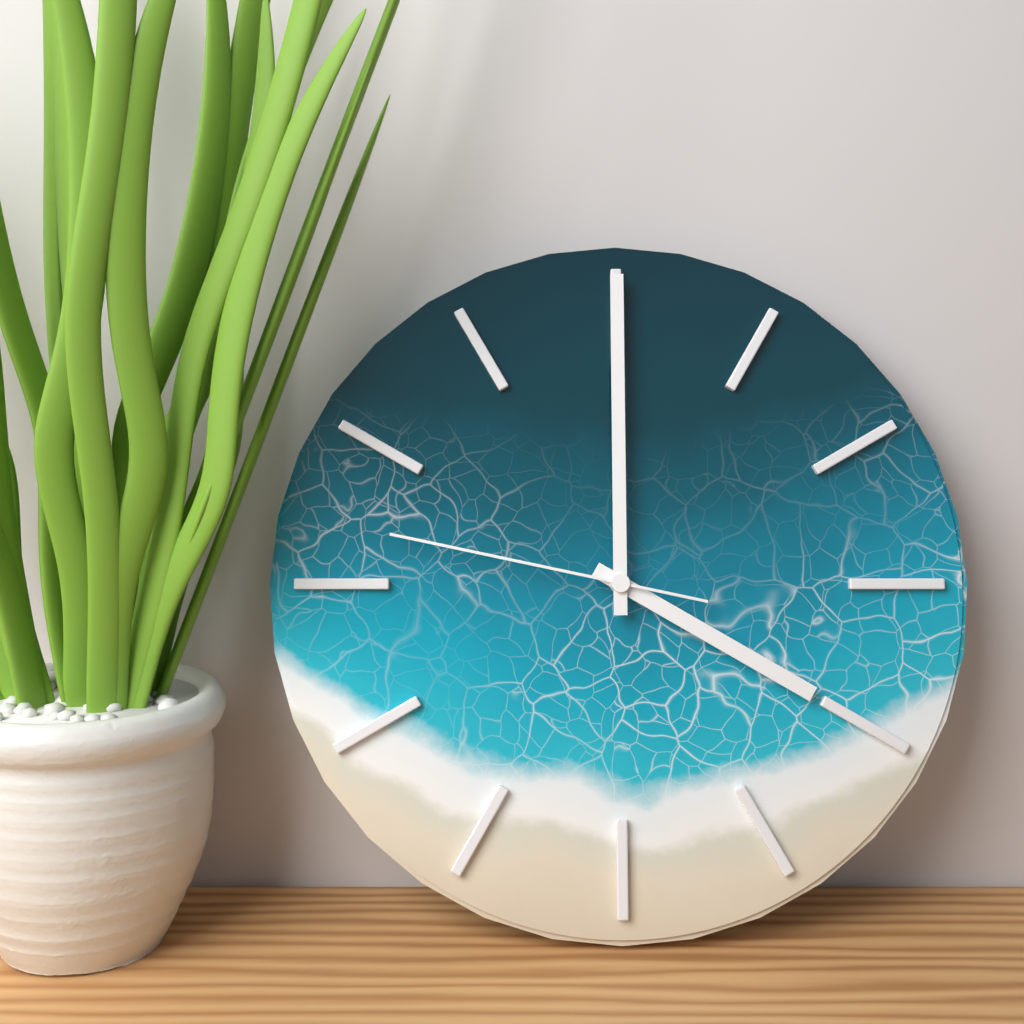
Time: **4:00:47**
